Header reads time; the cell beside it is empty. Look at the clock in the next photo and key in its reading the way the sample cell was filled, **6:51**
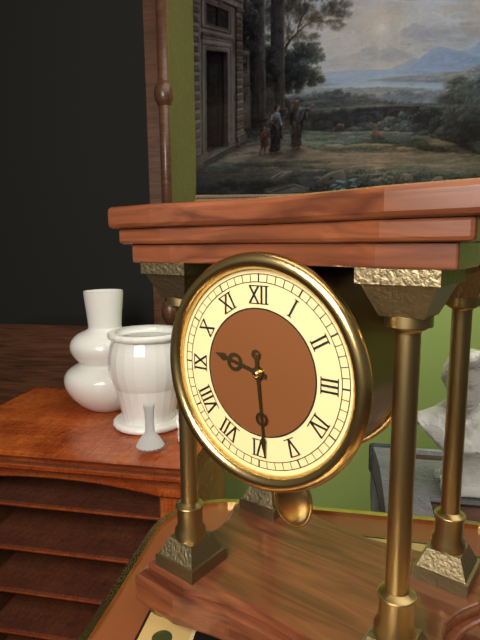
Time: **9:29**
